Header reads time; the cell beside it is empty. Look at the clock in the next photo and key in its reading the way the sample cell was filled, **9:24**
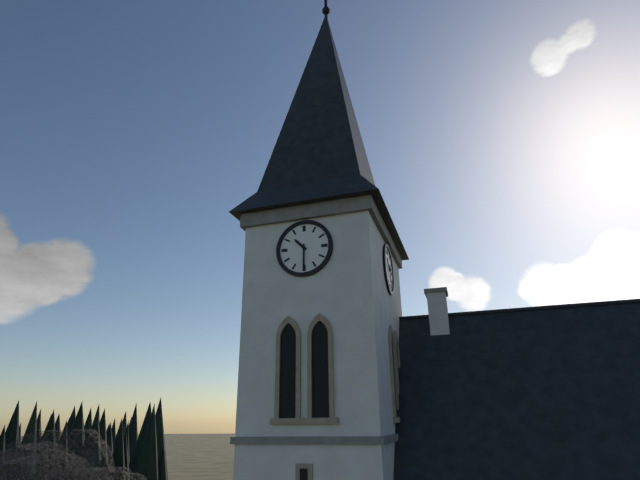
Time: **10:30**
